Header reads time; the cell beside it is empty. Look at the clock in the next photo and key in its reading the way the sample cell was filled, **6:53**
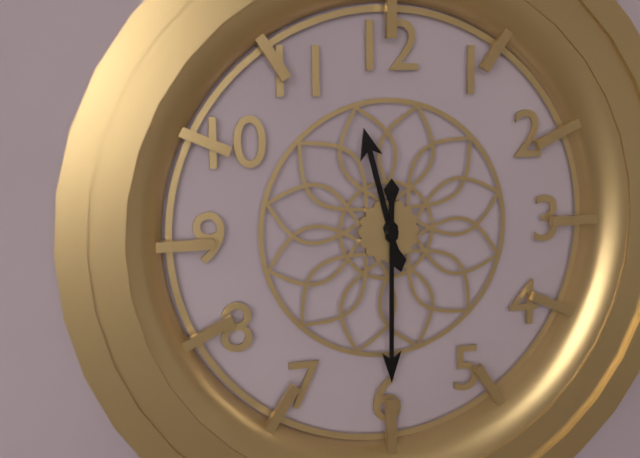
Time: **11:30**
